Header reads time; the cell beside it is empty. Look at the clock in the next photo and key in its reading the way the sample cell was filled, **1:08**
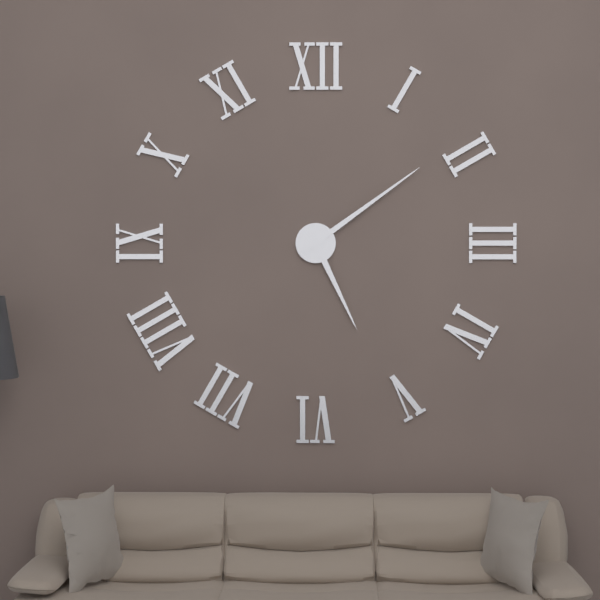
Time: **5:09**
